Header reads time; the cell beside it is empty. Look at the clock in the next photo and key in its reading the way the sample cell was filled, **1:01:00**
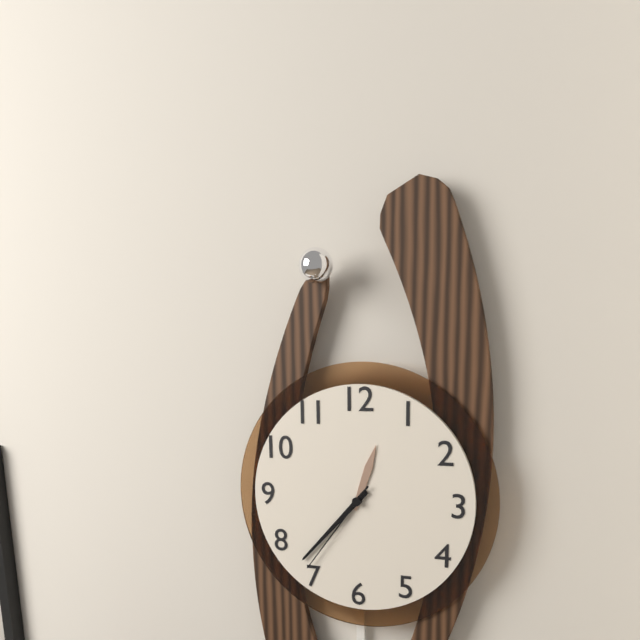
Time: **12:37:36**
